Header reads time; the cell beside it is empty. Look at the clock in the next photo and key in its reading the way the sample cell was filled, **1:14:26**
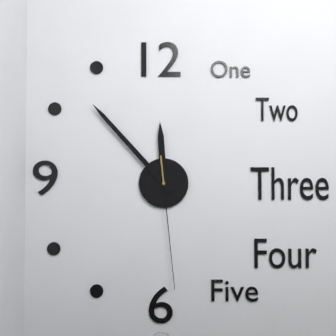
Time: **11:53:29**
